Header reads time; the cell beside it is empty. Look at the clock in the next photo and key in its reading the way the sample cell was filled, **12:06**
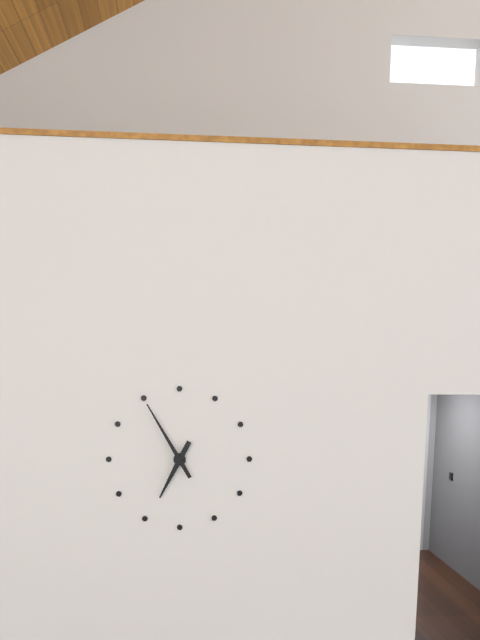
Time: **6:55**
